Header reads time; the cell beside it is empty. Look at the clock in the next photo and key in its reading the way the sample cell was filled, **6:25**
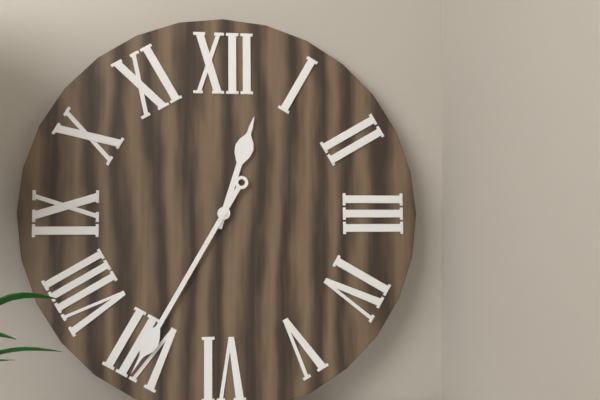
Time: **12:35**
